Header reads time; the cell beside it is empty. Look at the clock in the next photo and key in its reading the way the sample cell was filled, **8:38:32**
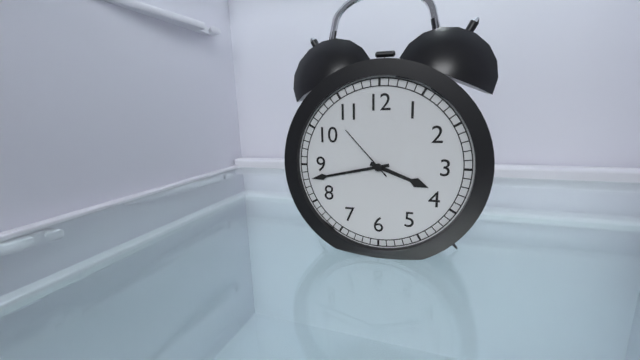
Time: **3:43:53**
